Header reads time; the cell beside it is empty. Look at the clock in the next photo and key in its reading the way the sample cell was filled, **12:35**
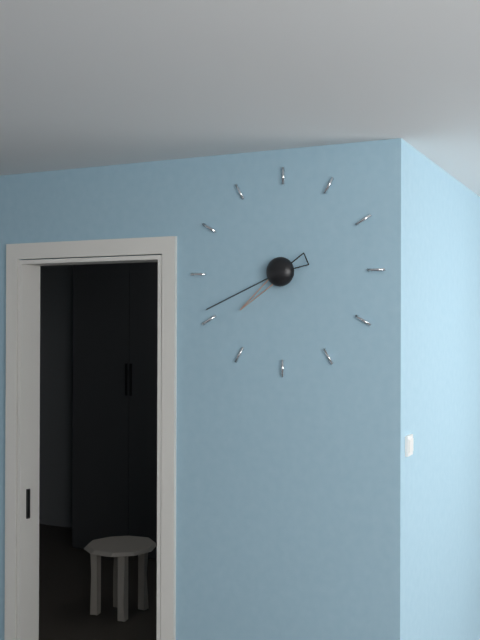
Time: **7:41**
